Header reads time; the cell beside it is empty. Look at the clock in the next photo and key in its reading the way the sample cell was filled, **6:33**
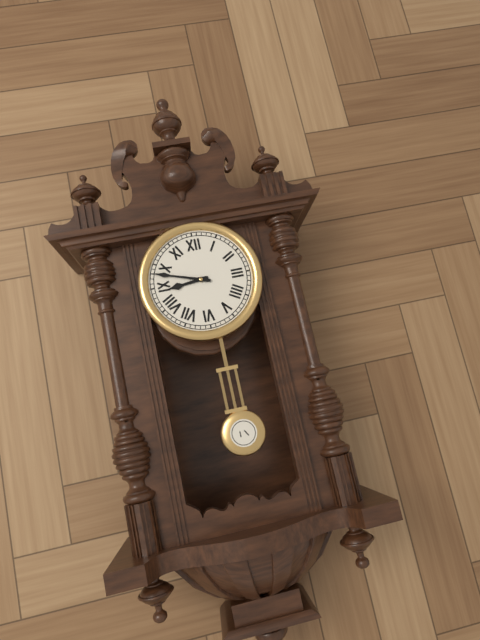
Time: **8:48**
